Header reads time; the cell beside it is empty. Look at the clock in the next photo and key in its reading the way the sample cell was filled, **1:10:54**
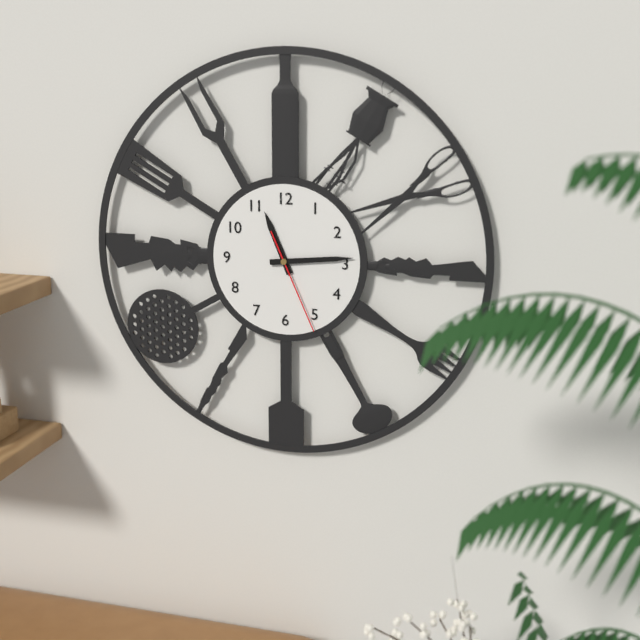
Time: **11:14:26**
